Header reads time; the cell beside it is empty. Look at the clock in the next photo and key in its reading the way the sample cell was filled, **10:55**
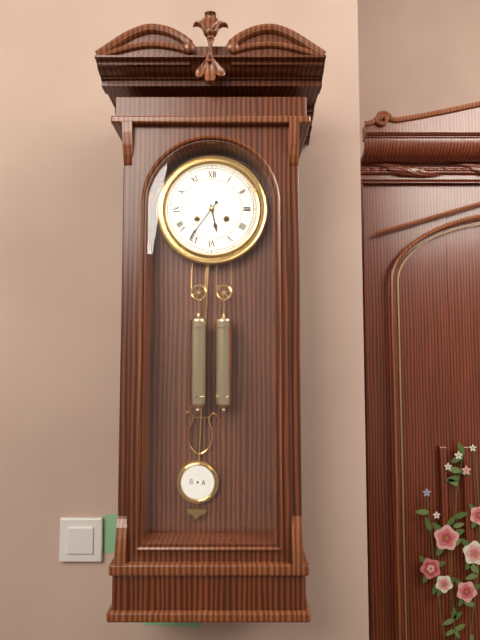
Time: **5:36**
